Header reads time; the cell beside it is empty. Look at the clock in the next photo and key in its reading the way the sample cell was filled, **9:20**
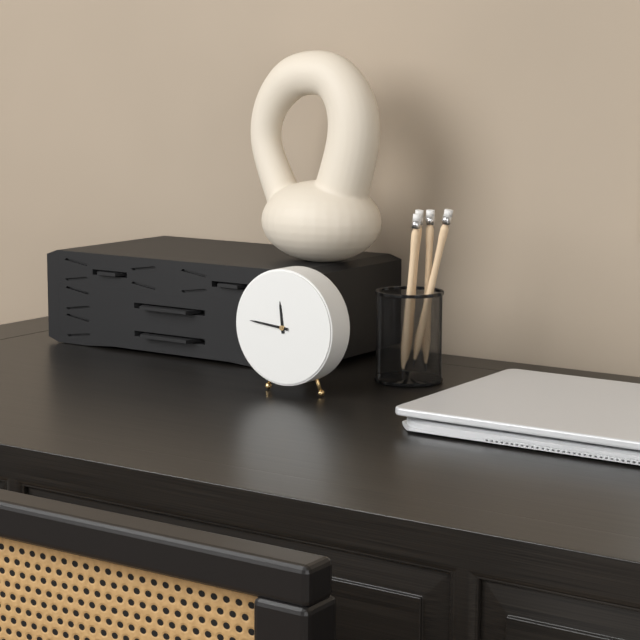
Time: **11:46**
